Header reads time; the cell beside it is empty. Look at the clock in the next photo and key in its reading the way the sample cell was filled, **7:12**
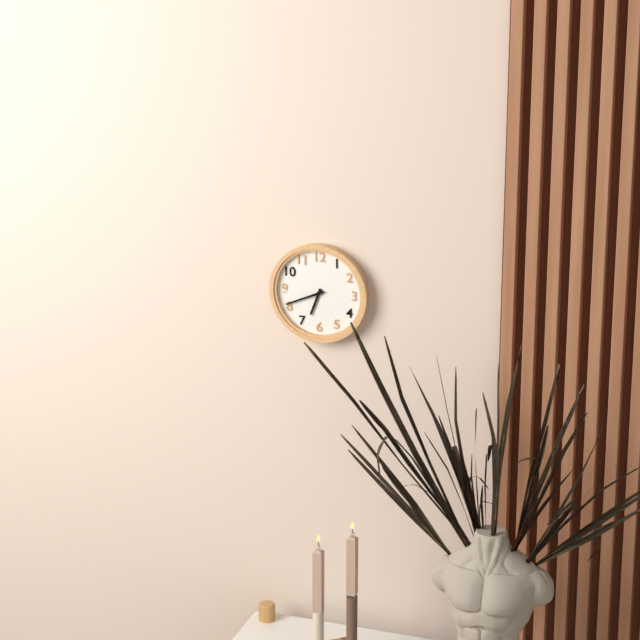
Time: **6:41**
